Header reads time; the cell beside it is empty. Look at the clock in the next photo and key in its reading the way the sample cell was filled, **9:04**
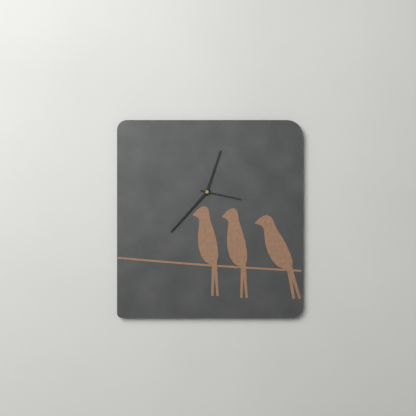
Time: **12:37**
